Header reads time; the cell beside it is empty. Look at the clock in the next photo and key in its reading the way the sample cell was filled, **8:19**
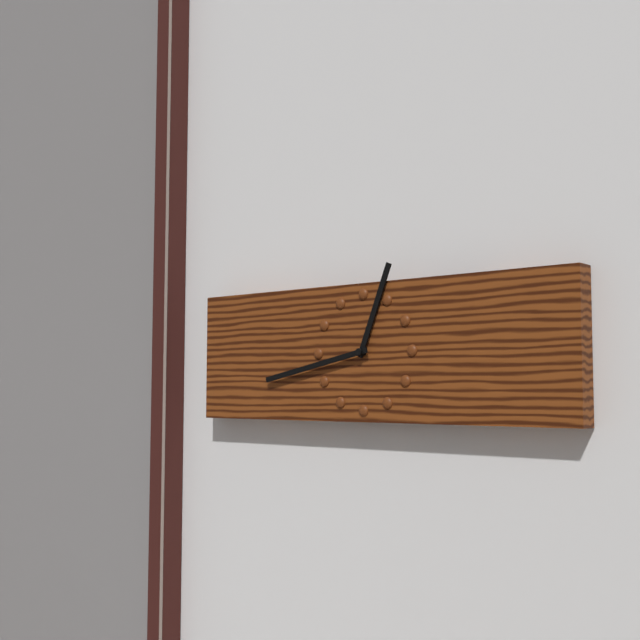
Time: **12:43**
